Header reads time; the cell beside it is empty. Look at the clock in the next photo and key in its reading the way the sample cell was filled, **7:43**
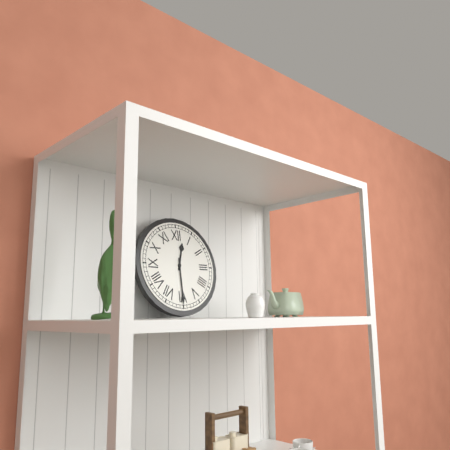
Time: **12:30**
